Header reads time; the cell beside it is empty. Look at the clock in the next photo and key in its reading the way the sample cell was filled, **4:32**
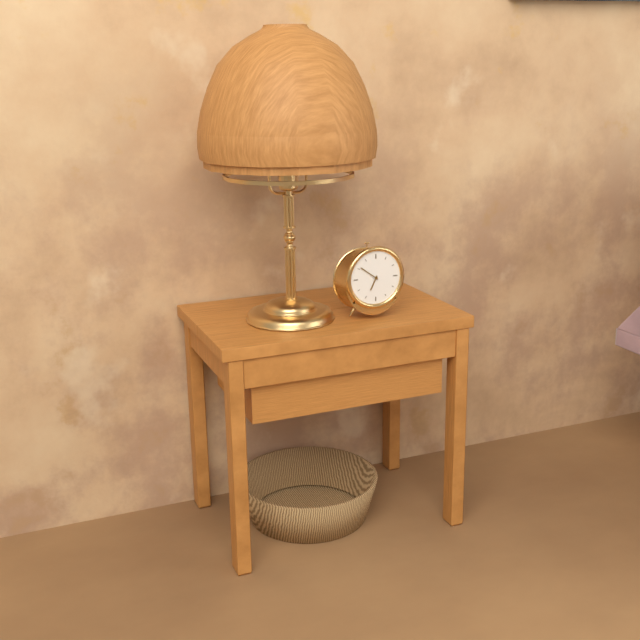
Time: **6:51**
